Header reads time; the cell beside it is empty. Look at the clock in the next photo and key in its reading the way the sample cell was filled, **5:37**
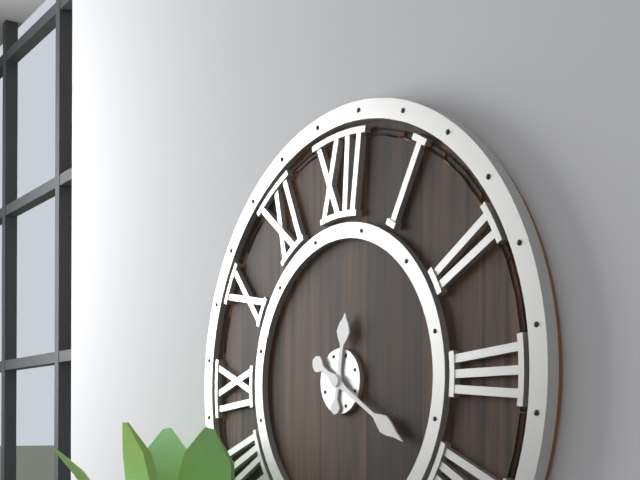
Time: **12:20**
